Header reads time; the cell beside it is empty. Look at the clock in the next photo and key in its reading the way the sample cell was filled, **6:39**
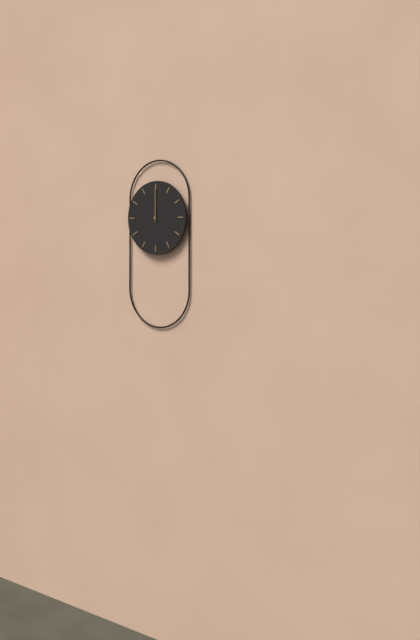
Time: **12:00**
